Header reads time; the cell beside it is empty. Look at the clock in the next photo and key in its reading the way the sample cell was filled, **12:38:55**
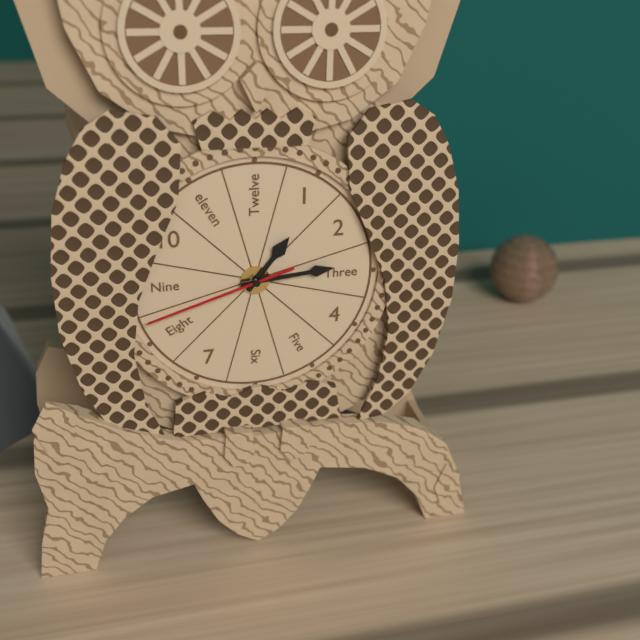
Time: **1:14:42**
